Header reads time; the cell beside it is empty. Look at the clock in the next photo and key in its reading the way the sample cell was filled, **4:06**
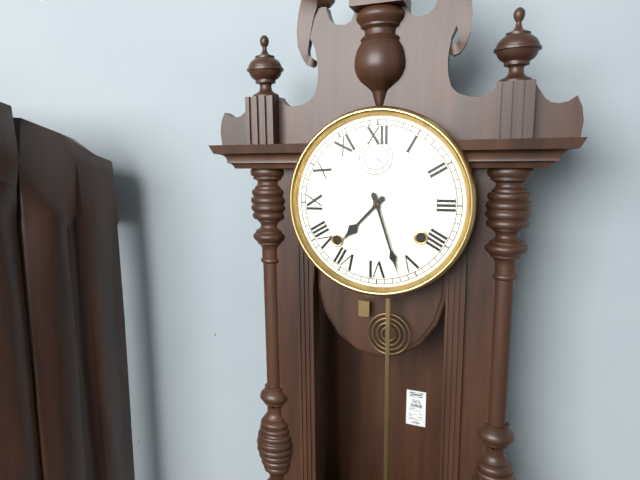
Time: **7:27**
